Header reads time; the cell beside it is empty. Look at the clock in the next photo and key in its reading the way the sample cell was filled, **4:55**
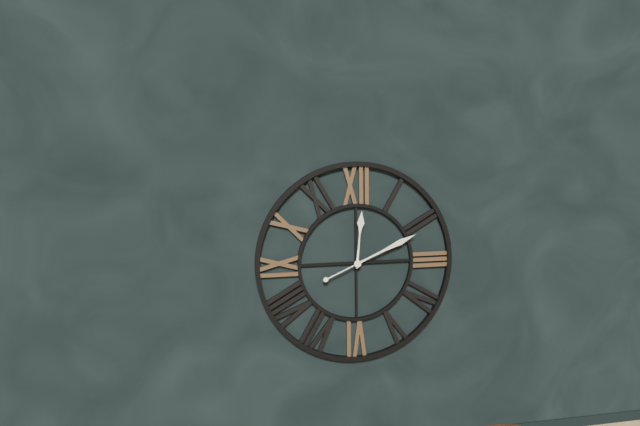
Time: **12:11**
